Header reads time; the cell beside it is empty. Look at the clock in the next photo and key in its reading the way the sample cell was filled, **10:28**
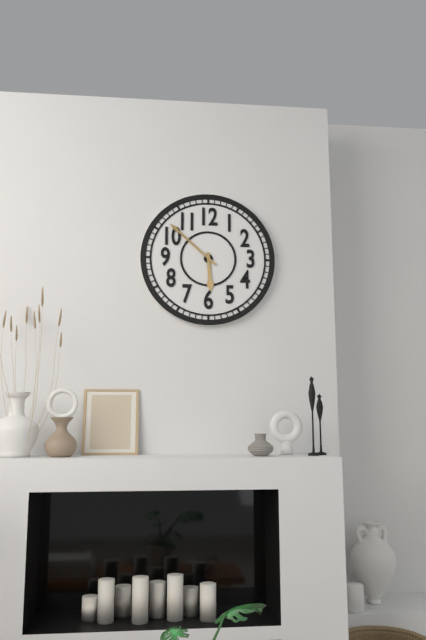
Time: **5:52**
